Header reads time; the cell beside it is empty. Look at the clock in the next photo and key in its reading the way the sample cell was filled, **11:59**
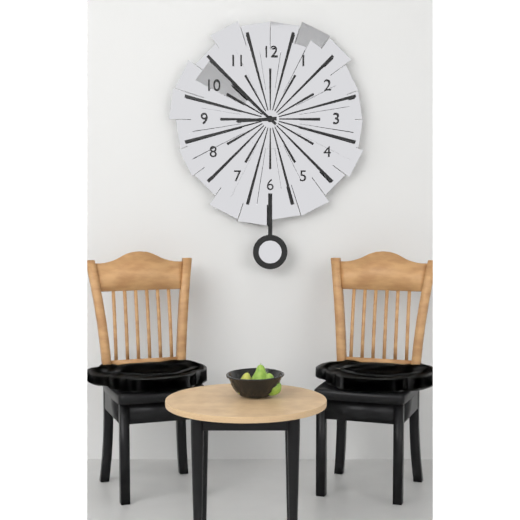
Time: **8:52**
